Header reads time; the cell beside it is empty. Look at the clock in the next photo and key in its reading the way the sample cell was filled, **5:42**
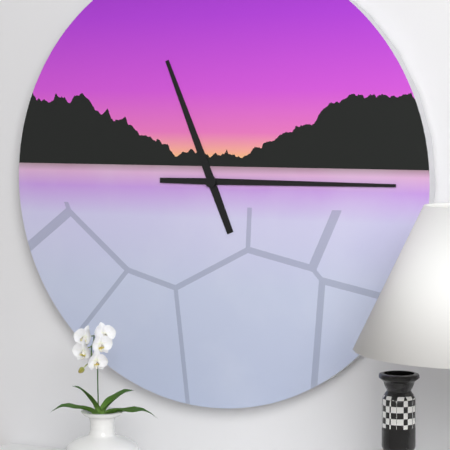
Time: **11:15**
